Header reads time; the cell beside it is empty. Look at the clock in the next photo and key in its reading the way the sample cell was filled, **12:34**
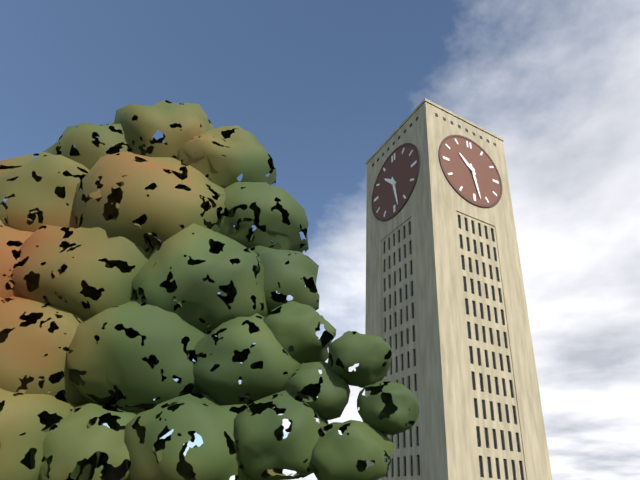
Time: **10:28**
